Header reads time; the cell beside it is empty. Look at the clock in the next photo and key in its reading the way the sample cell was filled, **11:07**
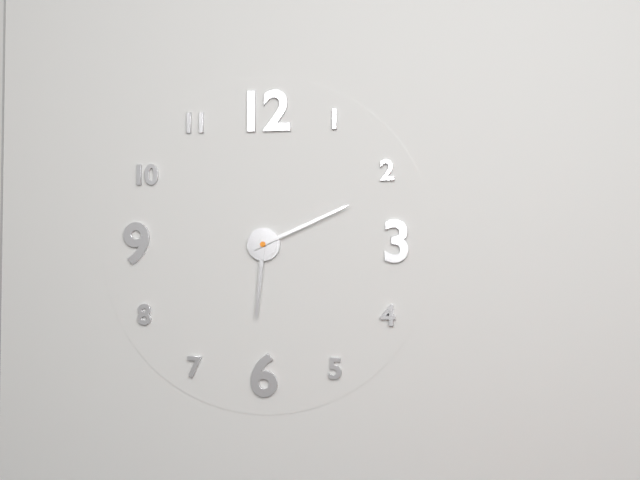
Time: **6:11**
